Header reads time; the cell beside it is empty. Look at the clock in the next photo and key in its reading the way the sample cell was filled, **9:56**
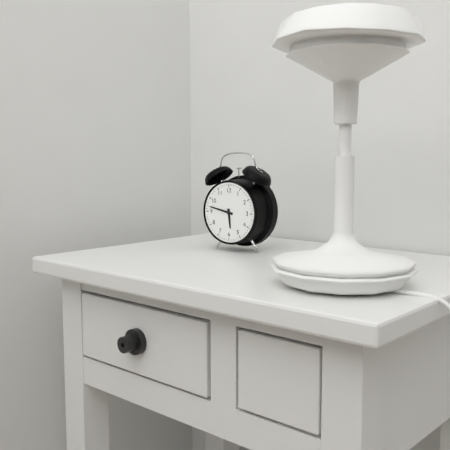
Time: **5:47**
